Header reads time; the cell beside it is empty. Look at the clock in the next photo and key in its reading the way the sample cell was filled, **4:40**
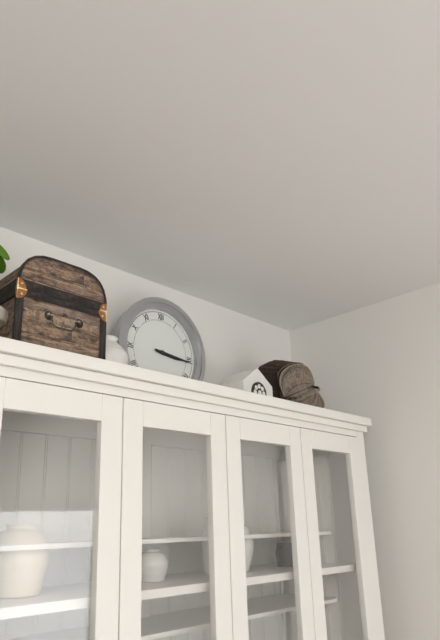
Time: **3:16**
